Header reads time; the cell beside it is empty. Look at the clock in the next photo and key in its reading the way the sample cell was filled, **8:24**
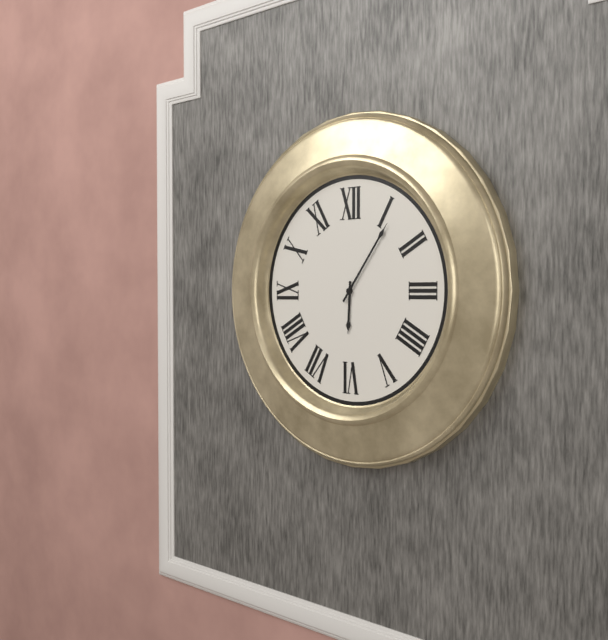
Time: **6:06**
